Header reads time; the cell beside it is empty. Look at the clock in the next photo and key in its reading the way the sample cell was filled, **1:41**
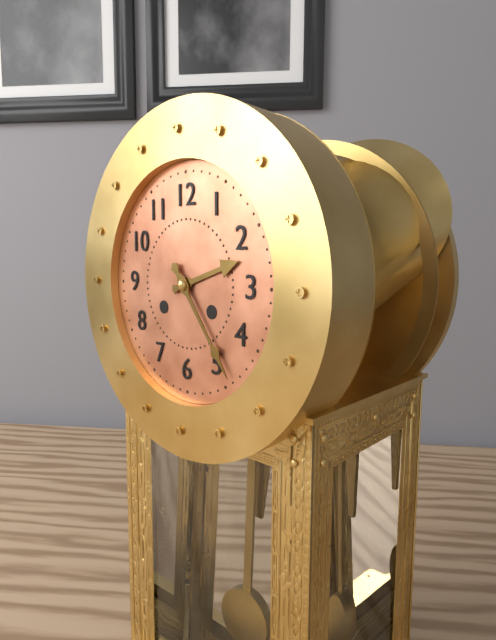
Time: **2:24**
